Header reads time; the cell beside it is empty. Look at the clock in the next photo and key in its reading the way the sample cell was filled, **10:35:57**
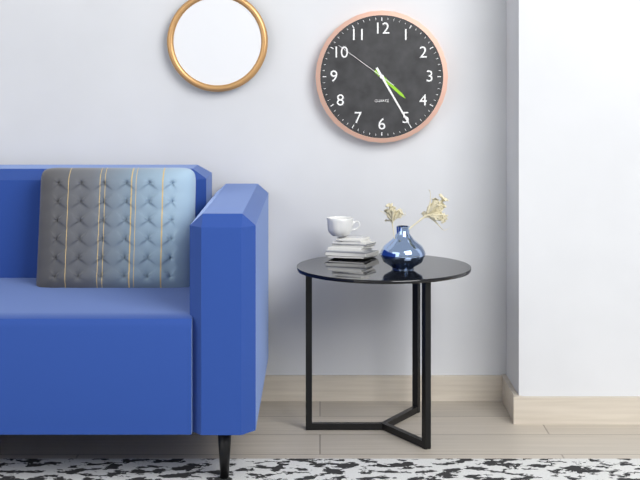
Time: **4:25:51**
